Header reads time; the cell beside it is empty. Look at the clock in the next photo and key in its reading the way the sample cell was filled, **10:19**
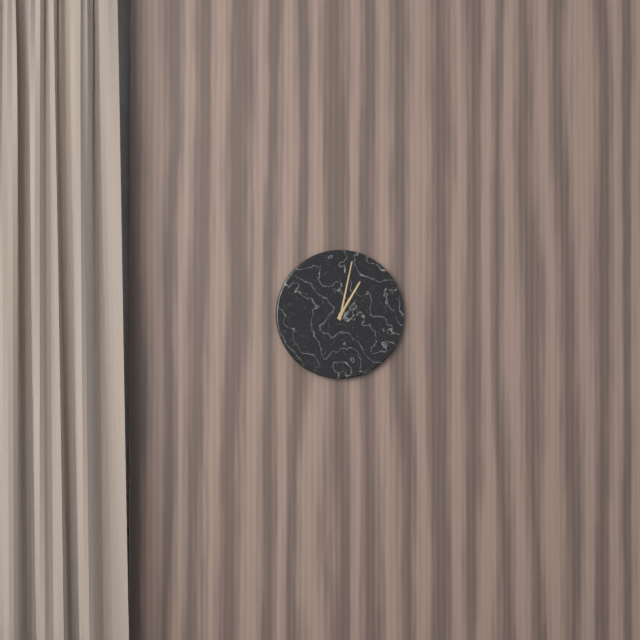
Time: **1:02**
